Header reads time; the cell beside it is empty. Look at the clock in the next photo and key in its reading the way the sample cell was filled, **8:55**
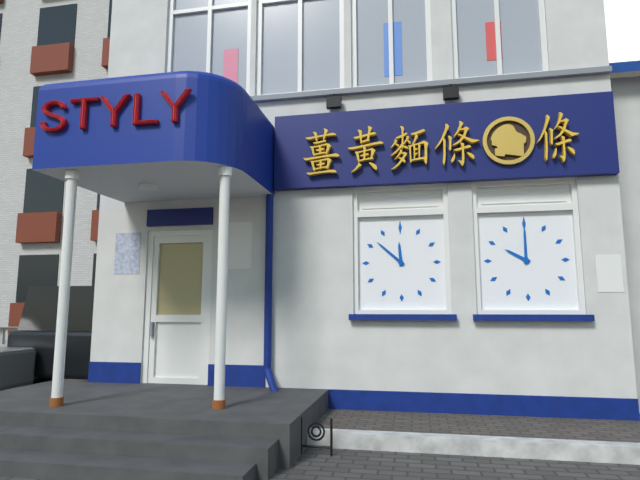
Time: **11:52**
